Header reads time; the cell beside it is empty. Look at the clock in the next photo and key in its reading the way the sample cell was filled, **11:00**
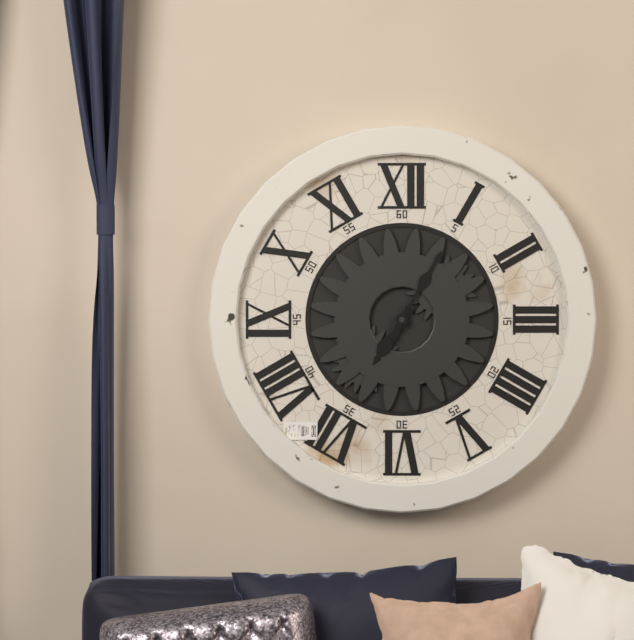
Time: **7:05**
